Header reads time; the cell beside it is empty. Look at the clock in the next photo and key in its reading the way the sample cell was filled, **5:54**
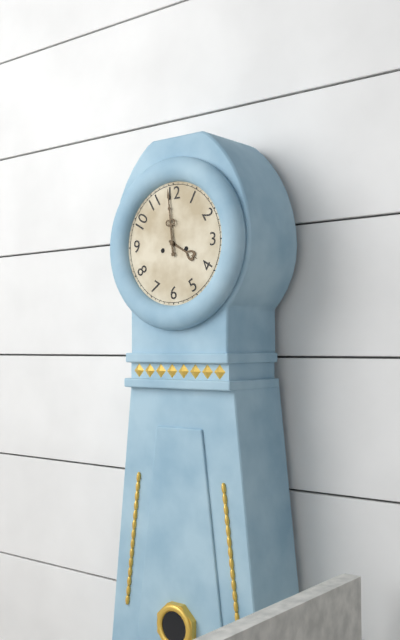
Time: **3:59**
